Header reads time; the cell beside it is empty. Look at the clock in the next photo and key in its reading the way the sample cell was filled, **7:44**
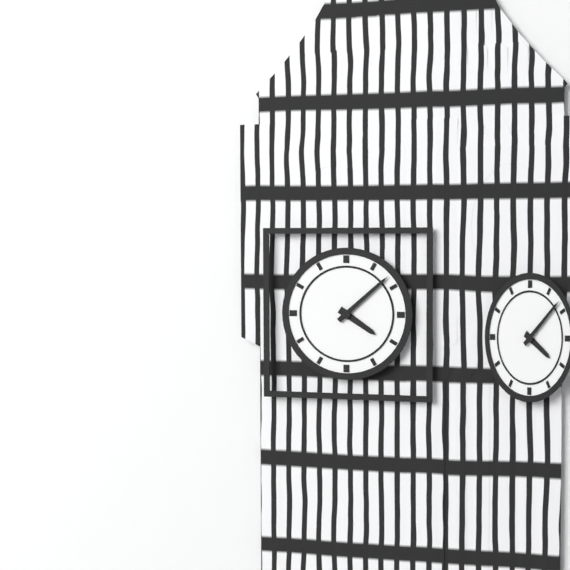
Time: **4:08**
